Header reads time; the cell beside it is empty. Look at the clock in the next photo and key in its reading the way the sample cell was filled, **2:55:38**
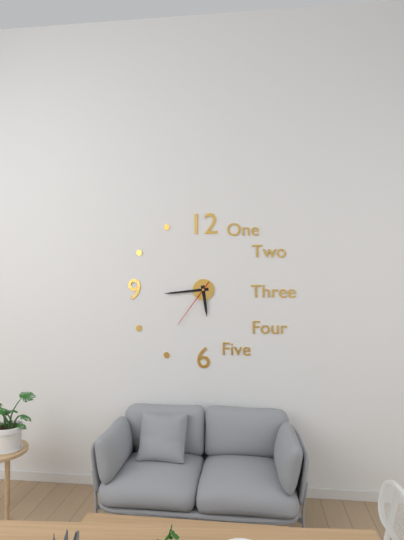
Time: **5:44:36**
